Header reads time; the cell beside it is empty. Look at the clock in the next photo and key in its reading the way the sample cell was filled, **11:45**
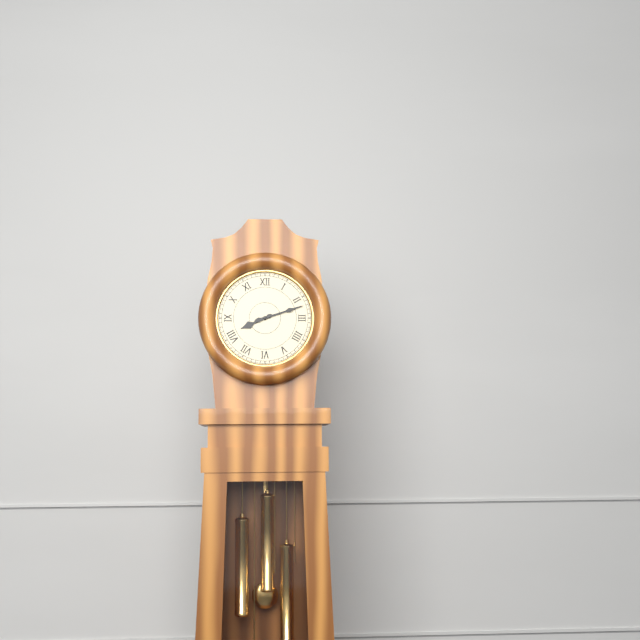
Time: **8:12**
